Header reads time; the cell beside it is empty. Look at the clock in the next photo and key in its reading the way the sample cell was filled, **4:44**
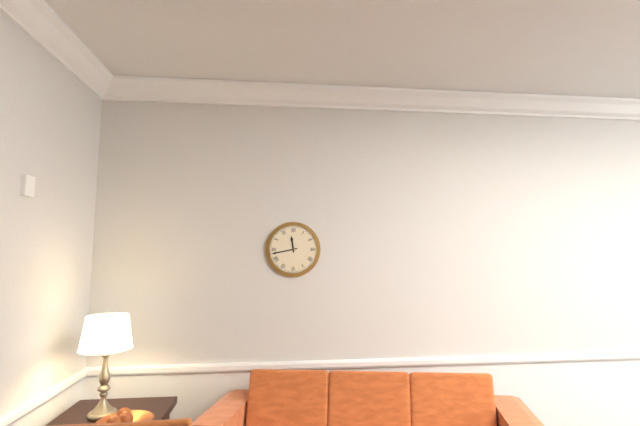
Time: **11:43**
